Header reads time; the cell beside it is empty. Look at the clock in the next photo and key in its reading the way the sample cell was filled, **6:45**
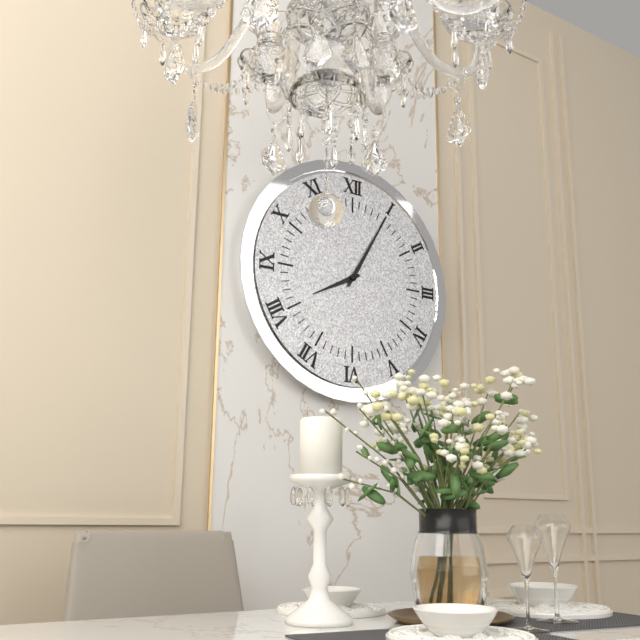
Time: **8:05**
